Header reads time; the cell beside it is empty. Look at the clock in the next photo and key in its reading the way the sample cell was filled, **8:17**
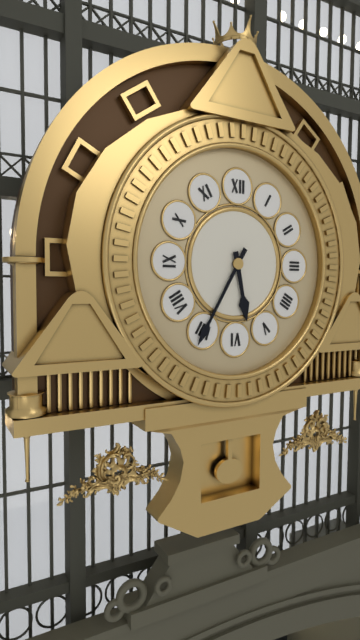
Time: **5:35**
